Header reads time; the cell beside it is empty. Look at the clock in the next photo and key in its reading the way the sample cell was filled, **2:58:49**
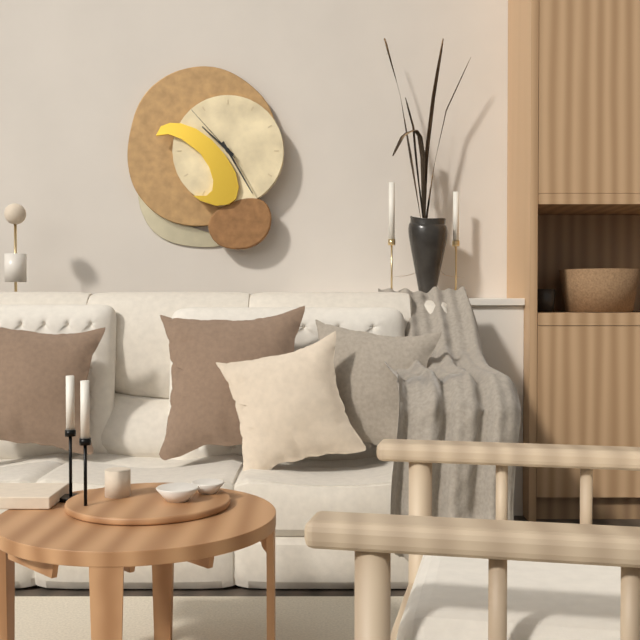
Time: **10:25:53**
